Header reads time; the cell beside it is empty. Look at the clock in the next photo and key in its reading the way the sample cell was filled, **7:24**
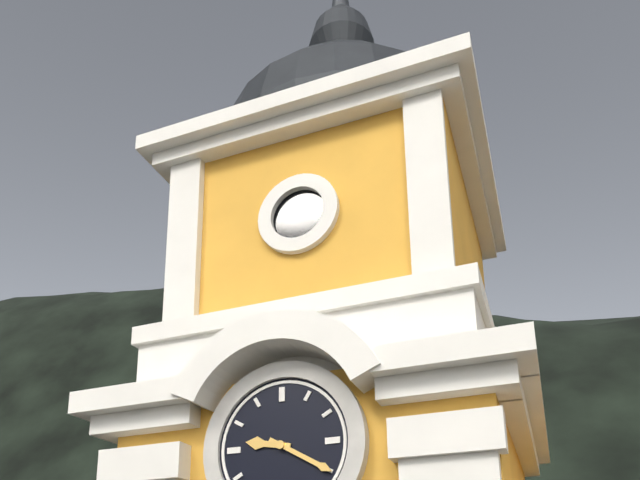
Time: **9:20**
